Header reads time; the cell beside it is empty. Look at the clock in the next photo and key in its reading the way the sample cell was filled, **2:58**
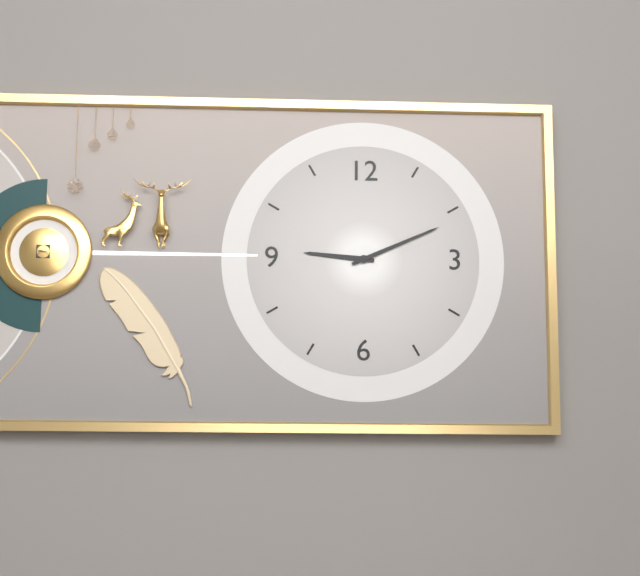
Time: **9:11**
